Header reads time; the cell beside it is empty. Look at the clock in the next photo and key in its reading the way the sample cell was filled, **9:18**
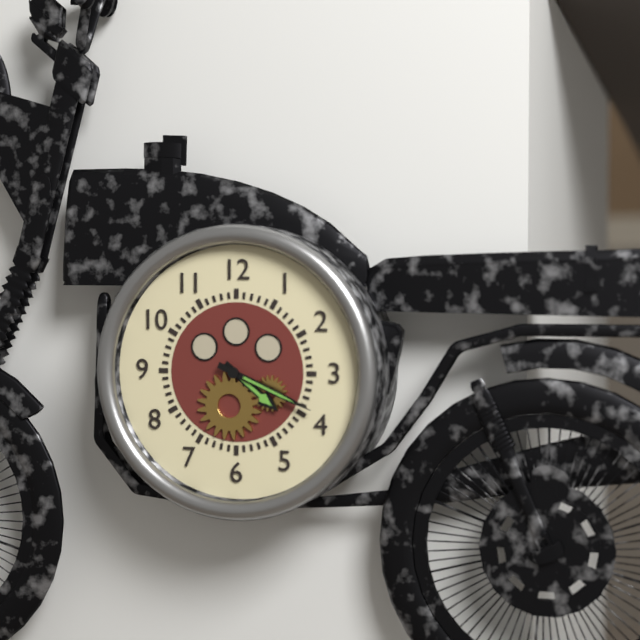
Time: **4:19**
